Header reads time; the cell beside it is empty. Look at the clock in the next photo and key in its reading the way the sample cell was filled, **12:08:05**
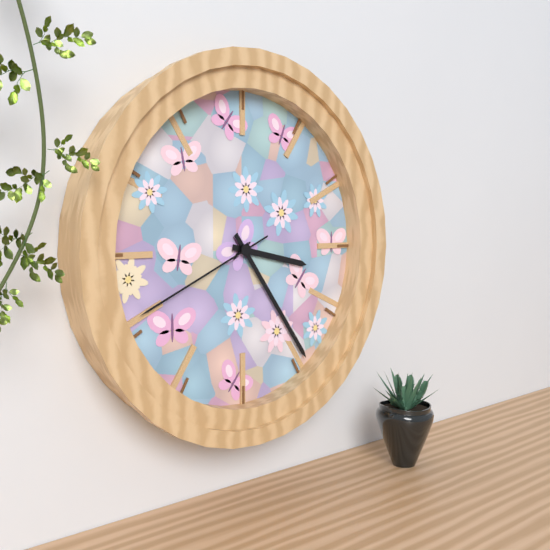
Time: **3:24:41**
